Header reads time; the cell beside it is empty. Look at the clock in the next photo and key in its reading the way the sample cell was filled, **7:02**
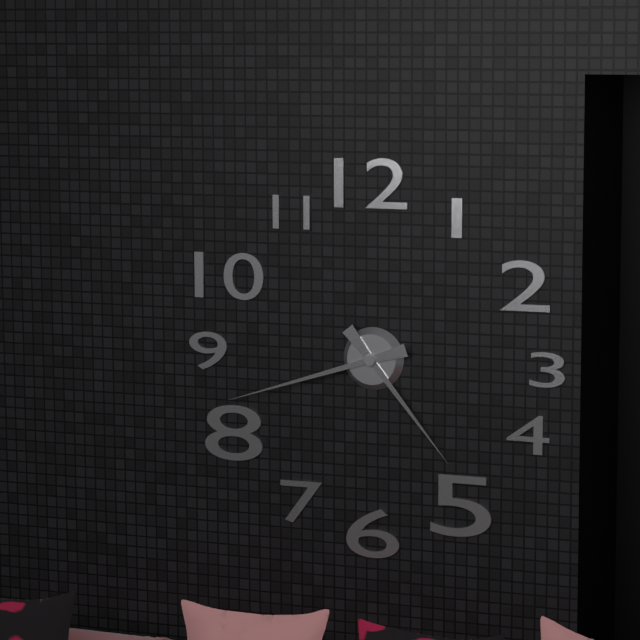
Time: **4:42**
